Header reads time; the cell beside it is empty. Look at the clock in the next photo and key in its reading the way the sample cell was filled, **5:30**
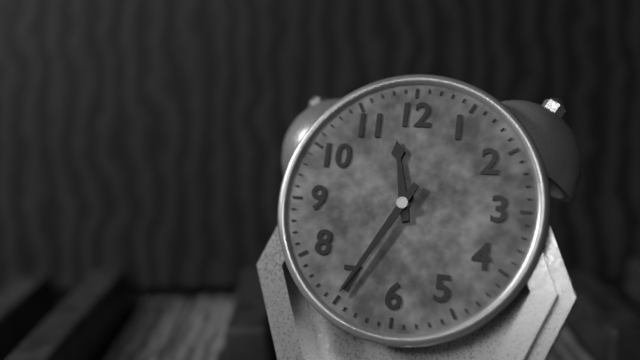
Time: **11:35**
